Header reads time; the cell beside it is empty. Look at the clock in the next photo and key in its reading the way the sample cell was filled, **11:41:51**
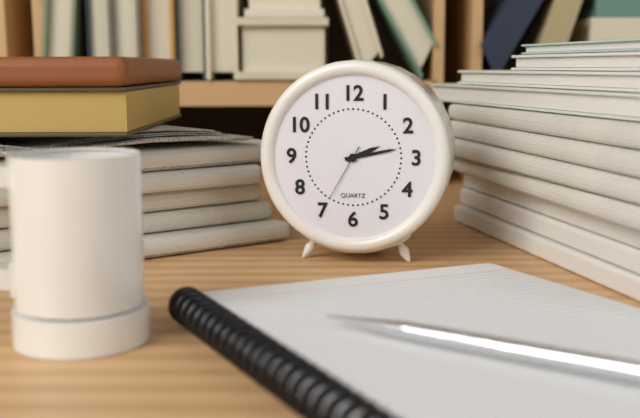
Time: **2:13:35**
